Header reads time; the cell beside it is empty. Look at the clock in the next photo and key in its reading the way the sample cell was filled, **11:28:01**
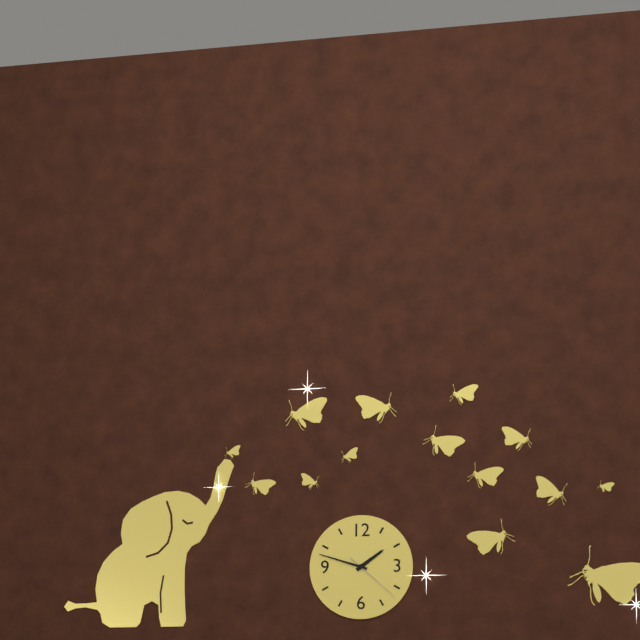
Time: **1:48:22**
